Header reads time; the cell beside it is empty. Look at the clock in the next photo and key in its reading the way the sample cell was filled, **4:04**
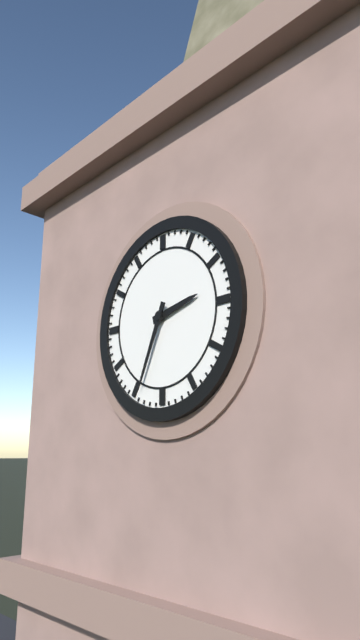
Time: **2:34**
